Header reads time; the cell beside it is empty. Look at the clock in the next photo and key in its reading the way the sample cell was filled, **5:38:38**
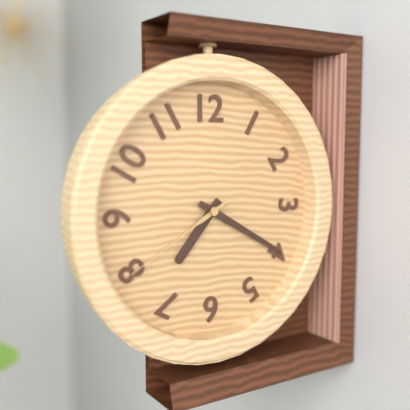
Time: **7:20:40**
